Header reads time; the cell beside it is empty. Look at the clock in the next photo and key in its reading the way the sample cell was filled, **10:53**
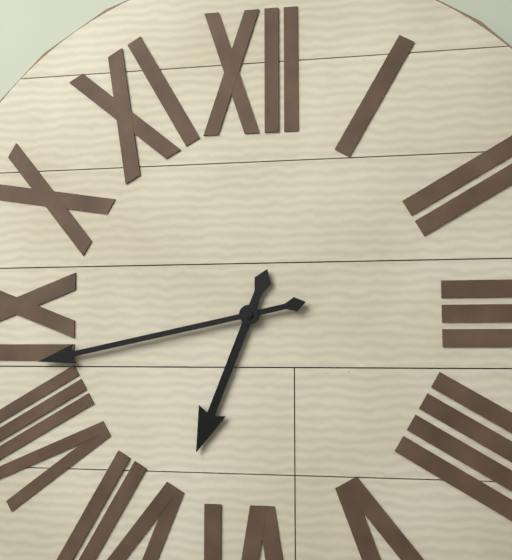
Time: **6:43**
